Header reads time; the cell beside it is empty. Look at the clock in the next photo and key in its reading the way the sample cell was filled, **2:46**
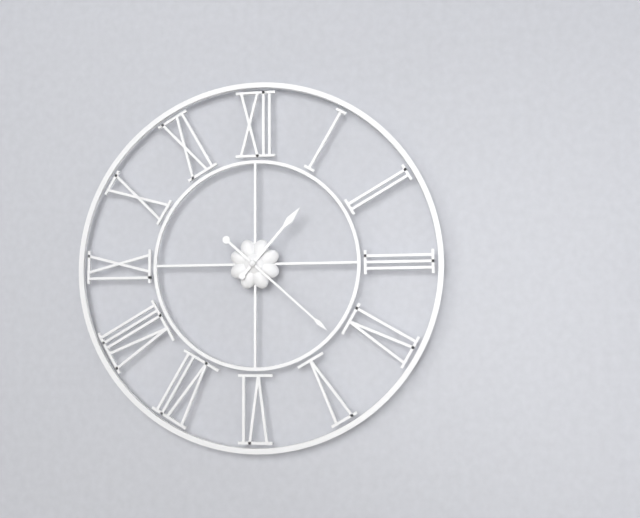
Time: **1:22**
